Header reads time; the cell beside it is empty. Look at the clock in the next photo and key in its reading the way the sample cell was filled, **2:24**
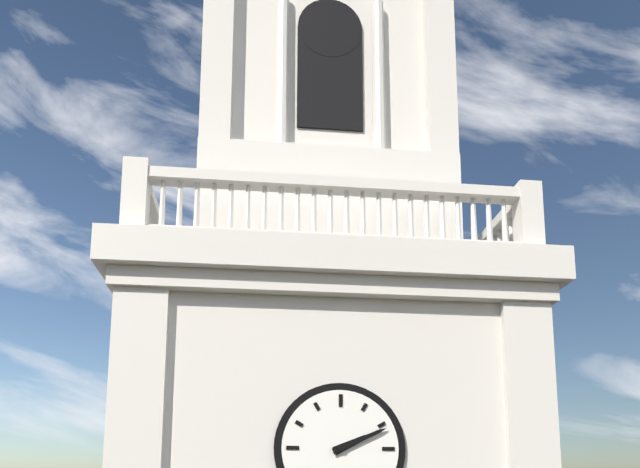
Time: **2:11**
